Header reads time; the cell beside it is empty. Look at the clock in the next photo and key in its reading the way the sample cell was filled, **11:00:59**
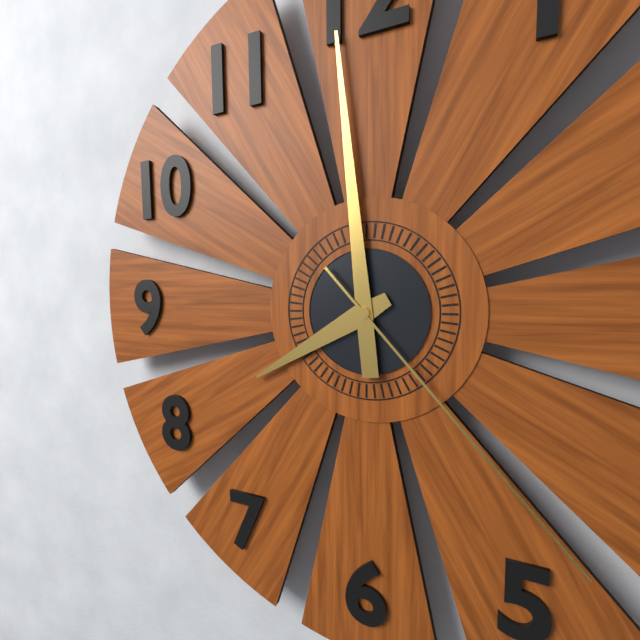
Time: **7:59:23**
